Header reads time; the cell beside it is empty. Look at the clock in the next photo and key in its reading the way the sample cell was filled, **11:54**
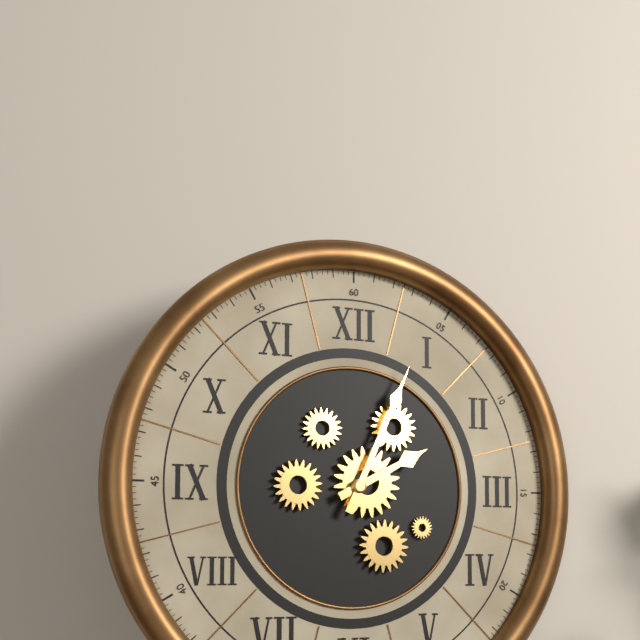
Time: **2:04**
